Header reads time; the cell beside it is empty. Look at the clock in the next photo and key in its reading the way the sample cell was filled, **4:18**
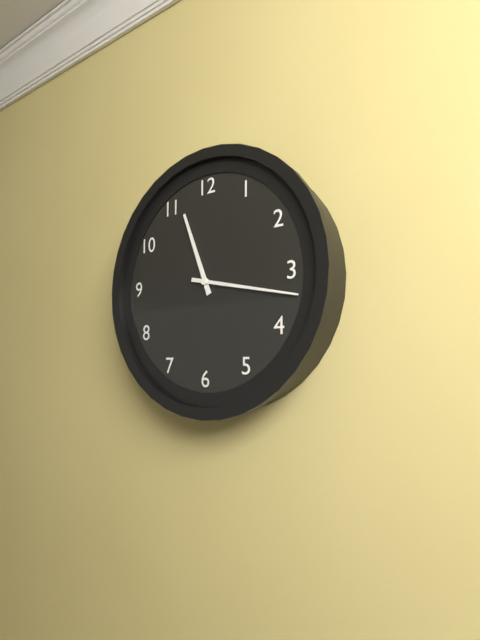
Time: **11:17**
